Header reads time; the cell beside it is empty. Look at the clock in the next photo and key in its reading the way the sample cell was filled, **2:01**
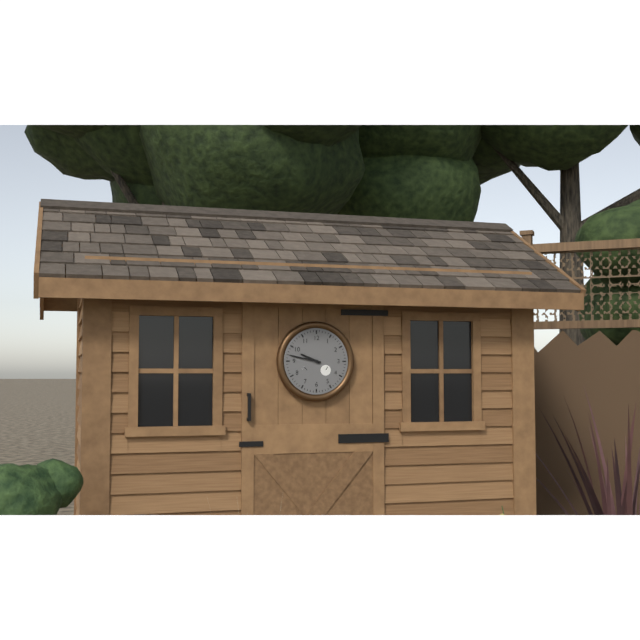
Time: **9:47**
